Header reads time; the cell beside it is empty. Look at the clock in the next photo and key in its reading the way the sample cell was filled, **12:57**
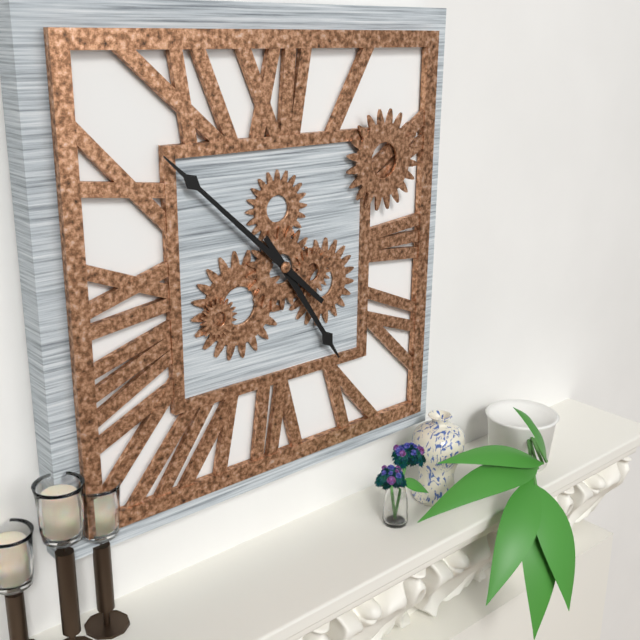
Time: **4:52**
